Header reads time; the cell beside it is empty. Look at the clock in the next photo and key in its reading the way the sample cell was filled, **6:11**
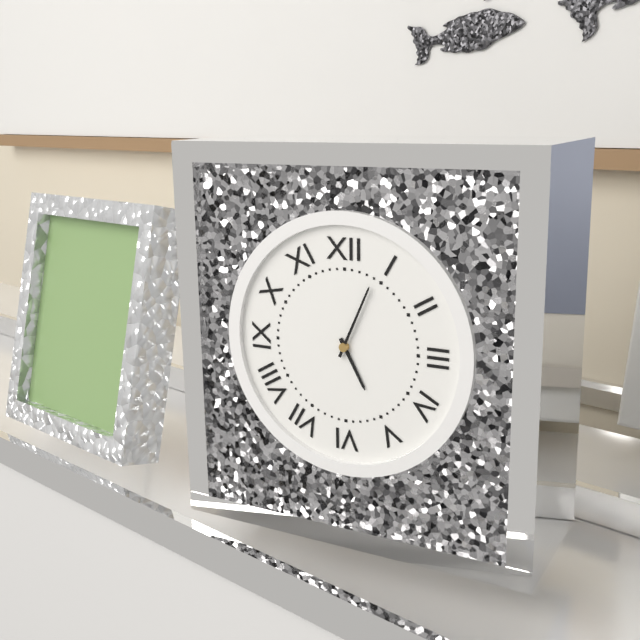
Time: **5:04**
